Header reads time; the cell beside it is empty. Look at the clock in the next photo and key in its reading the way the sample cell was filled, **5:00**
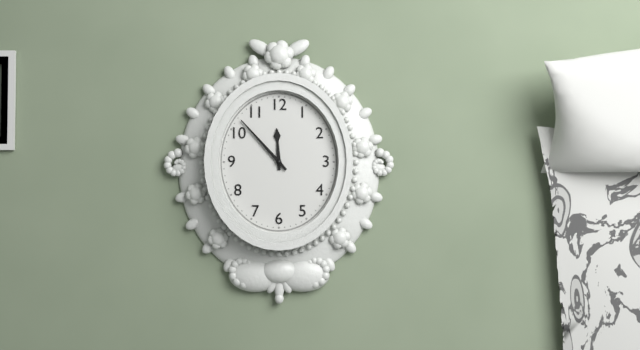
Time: **11:53**
